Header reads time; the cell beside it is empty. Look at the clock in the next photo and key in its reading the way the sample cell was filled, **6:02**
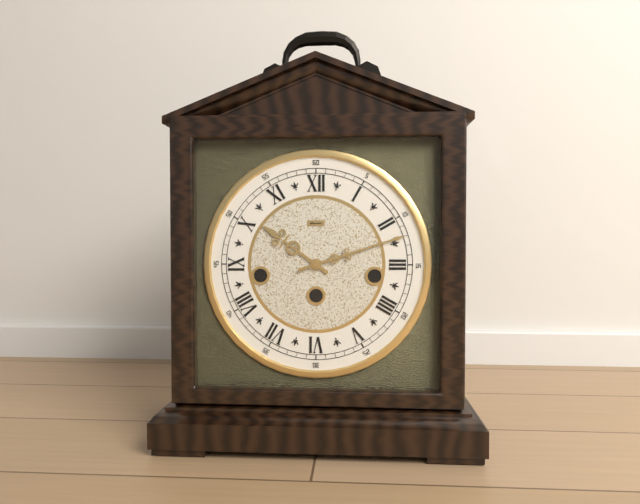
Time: **10:12**
